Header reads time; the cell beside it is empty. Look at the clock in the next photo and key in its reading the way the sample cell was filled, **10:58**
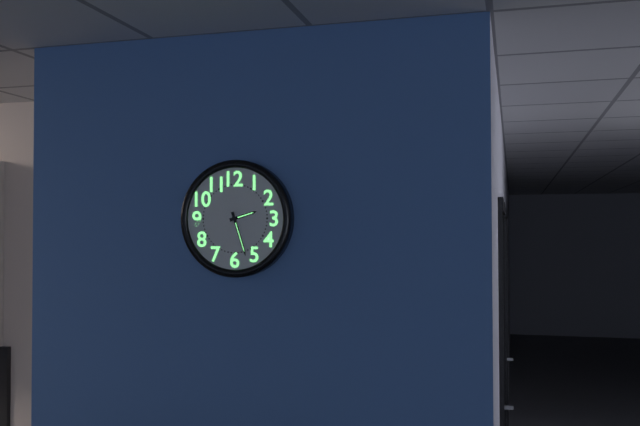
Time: **2:27**
